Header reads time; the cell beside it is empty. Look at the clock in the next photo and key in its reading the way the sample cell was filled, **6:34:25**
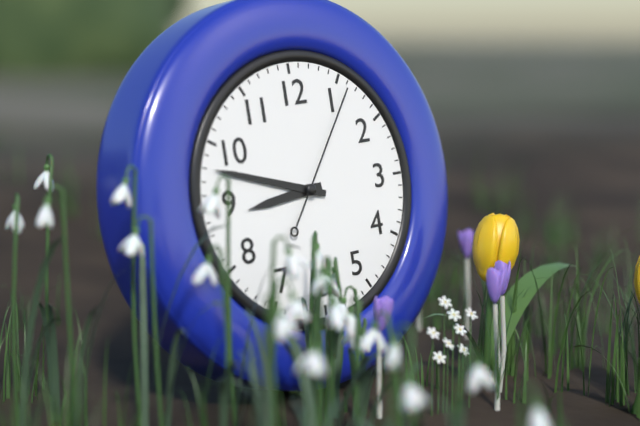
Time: **8:48:06**
